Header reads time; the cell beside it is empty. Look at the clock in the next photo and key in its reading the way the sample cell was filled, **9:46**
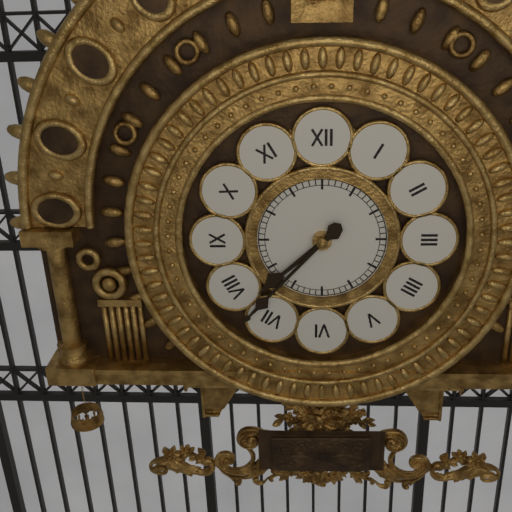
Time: **7:37**
